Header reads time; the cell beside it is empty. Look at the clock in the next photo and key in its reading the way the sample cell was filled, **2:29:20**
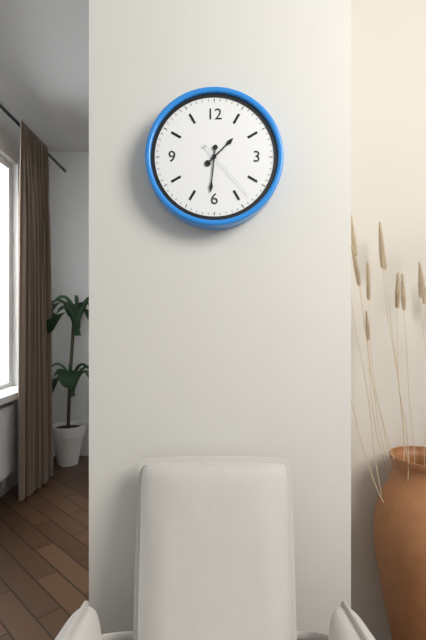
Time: **1:31:23**
